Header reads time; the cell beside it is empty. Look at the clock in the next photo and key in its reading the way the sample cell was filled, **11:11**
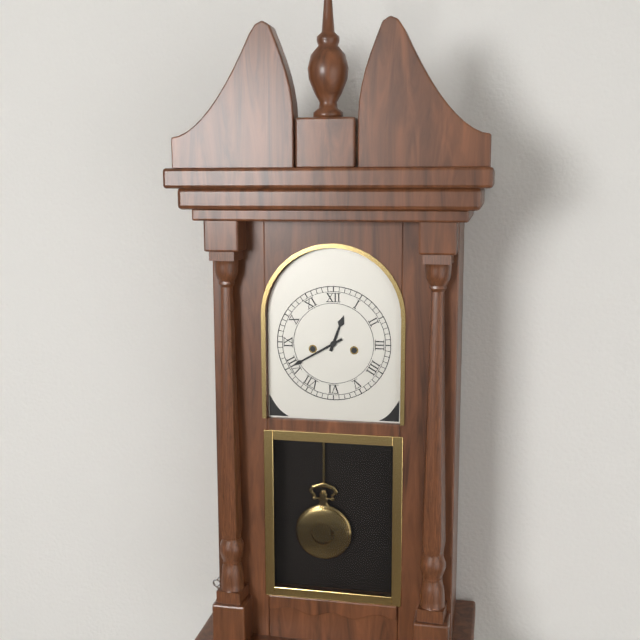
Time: **12:40**
